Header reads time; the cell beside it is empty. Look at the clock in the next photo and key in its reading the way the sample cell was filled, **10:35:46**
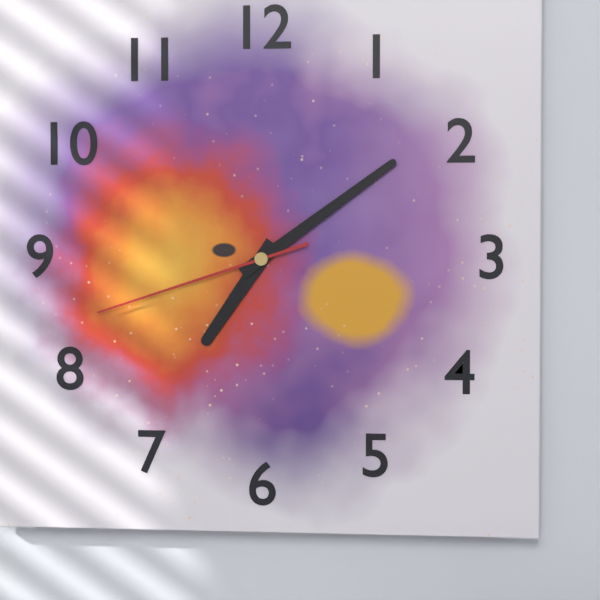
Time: **7:09:42**
